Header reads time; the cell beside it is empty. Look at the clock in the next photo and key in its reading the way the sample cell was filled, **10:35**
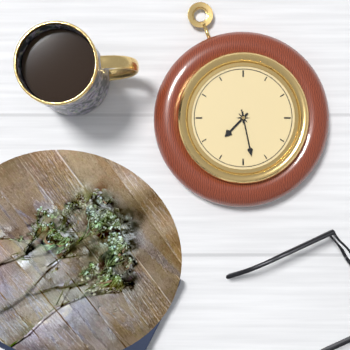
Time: **7:28**
